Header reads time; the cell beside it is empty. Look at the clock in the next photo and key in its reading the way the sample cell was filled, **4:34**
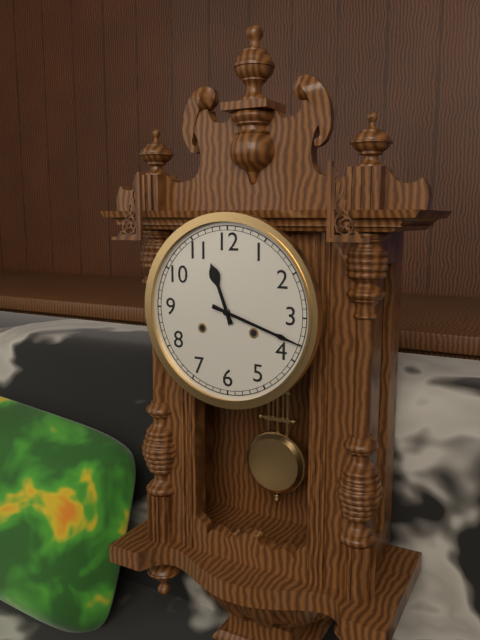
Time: **11:18**
